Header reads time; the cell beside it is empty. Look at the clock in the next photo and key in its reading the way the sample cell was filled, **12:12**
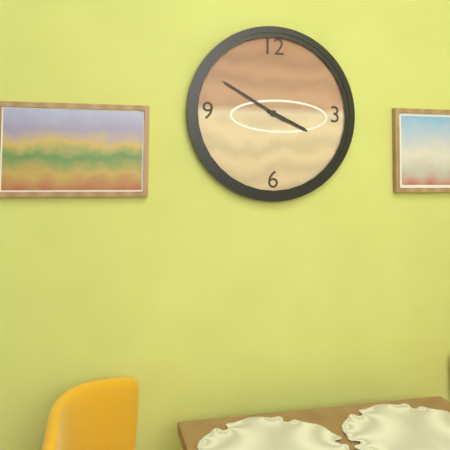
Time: **3:50**
